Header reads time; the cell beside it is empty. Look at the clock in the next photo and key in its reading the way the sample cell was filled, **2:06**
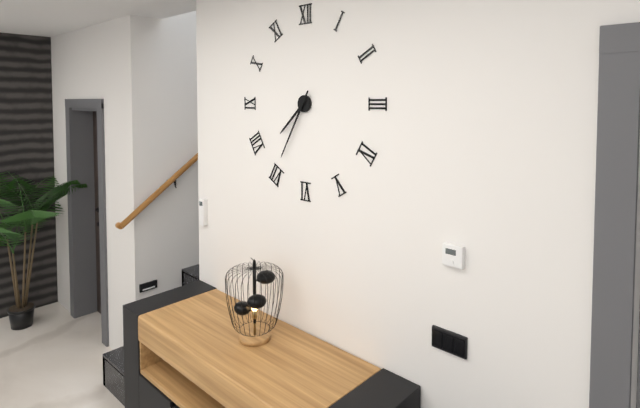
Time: **7:35**
